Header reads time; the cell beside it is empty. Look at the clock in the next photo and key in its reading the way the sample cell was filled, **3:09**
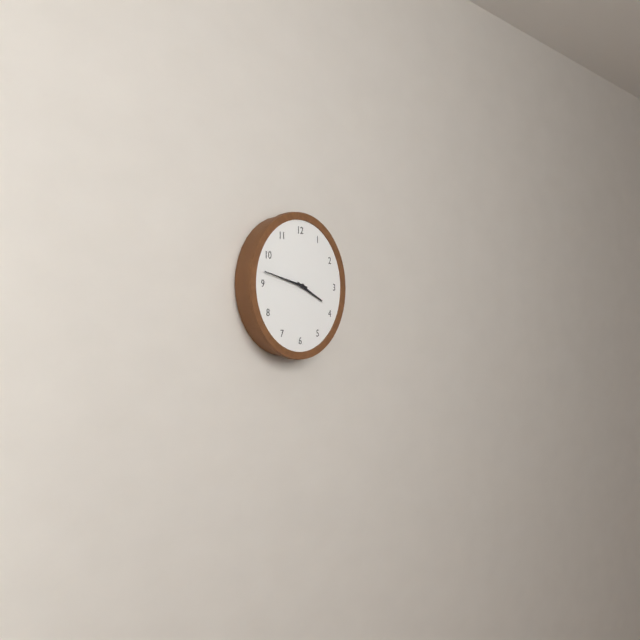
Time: **3:47**
